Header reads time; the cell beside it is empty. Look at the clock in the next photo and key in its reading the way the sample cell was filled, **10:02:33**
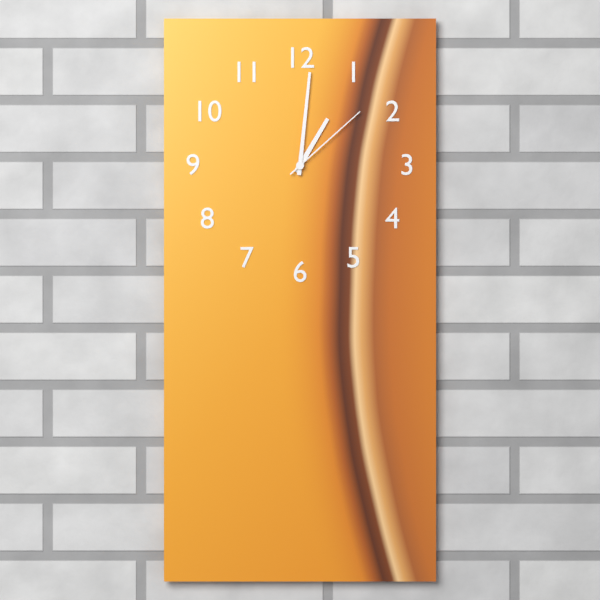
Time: **1:01:08**
